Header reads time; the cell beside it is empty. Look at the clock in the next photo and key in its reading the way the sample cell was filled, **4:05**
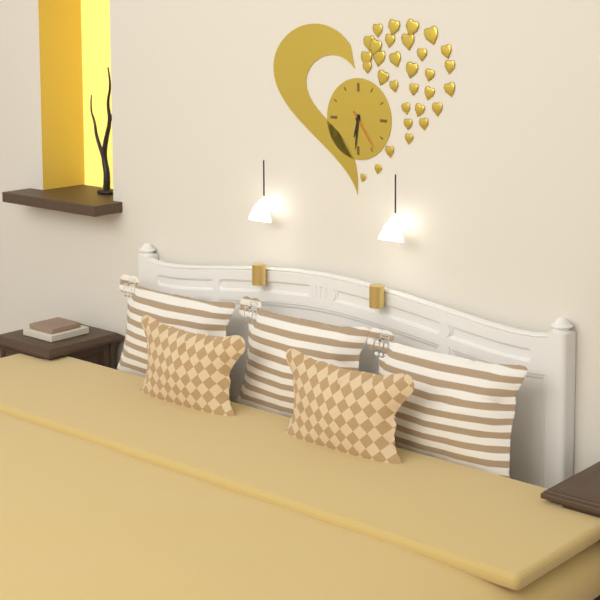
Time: **6:31**
